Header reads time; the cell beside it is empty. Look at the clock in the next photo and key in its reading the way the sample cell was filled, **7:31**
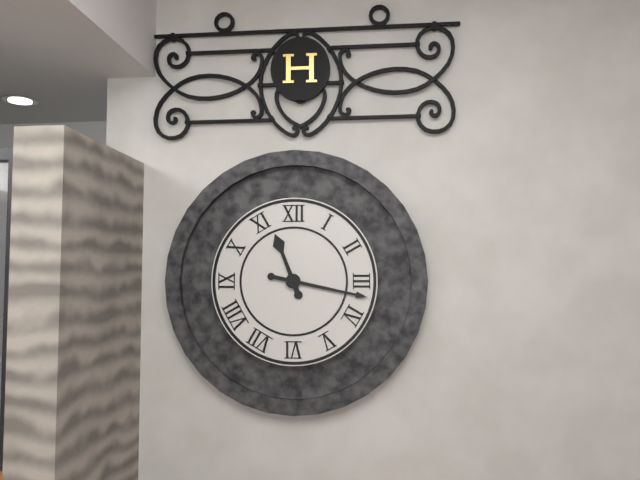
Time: **11:17**
